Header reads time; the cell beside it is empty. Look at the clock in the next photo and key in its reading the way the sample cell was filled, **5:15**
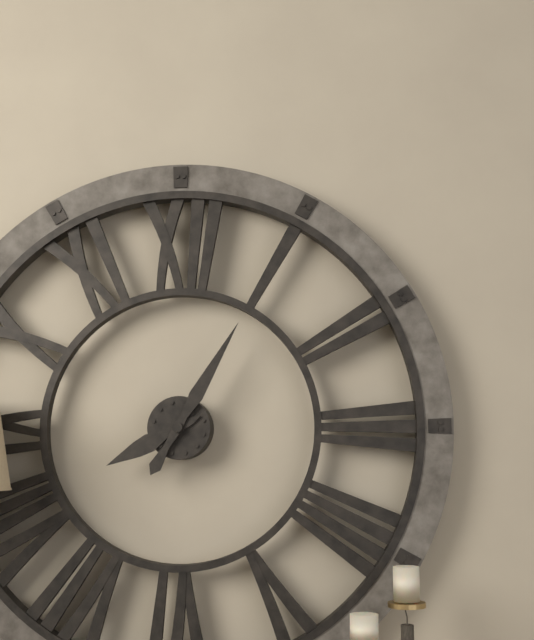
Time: **8:05**
